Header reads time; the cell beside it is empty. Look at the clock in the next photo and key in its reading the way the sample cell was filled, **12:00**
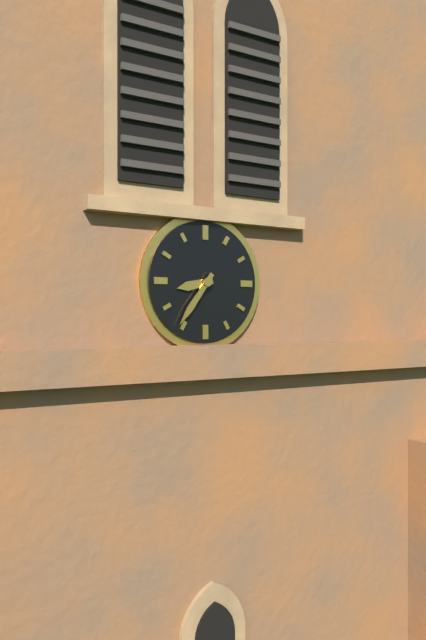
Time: **8:36**
